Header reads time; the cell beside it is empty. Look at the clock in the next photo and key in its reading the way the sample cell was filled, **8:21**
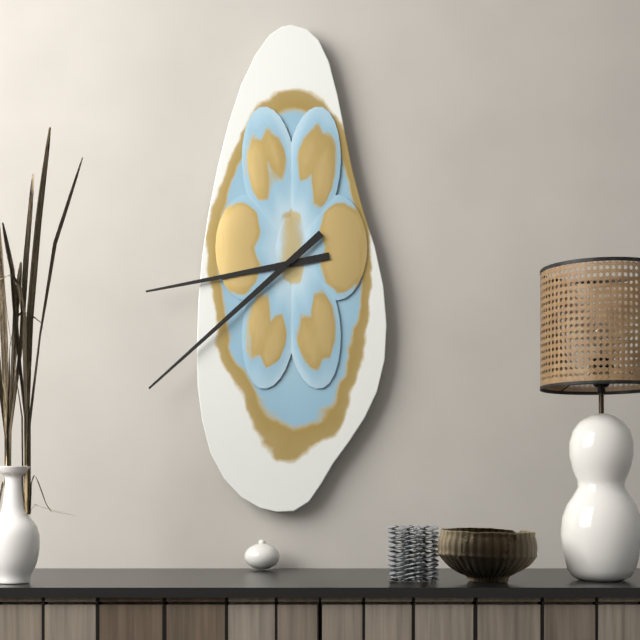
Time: **8:38**
